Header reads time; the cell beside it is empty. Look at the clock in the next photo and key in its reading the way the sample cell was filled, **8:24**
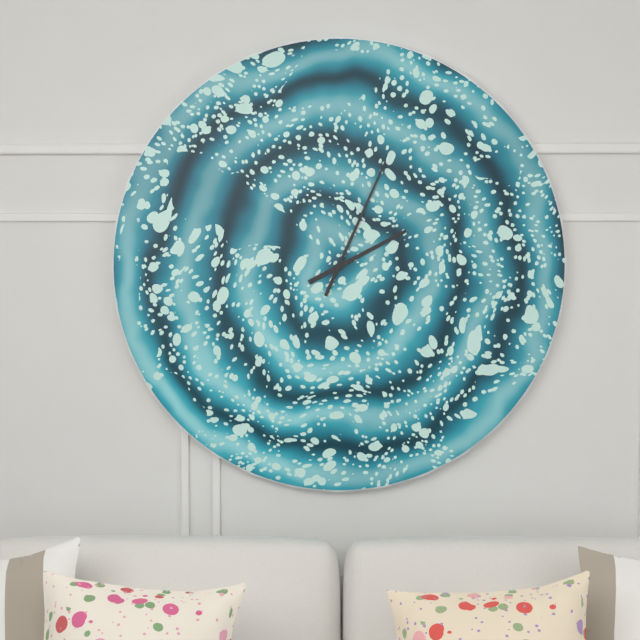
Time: **2:04**
